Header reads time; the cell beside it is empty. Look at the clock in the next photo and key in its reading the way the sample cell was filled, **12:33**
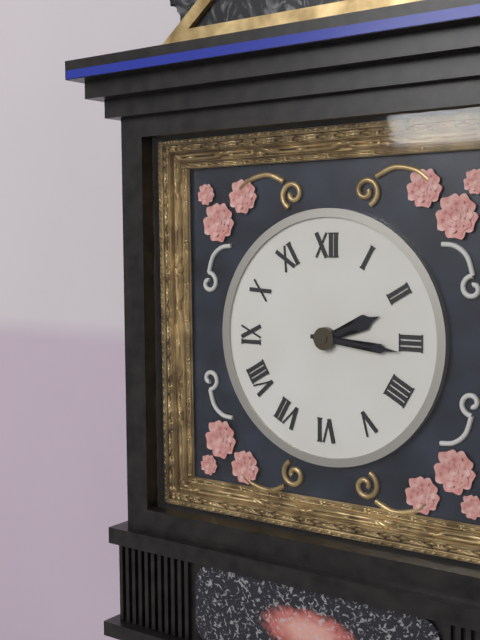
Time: **2:16**
